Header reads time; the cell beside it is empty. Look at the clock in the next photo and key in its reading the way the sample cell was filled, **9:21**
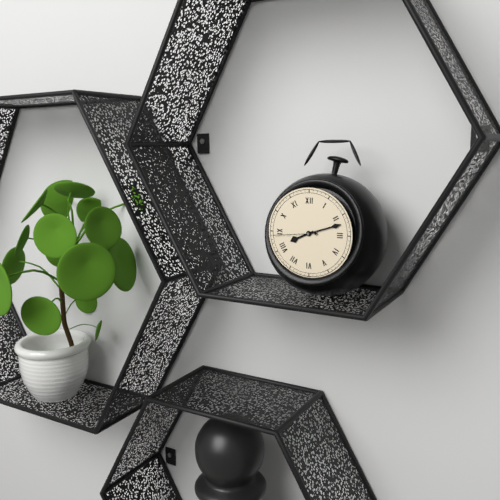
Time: **8:12**
